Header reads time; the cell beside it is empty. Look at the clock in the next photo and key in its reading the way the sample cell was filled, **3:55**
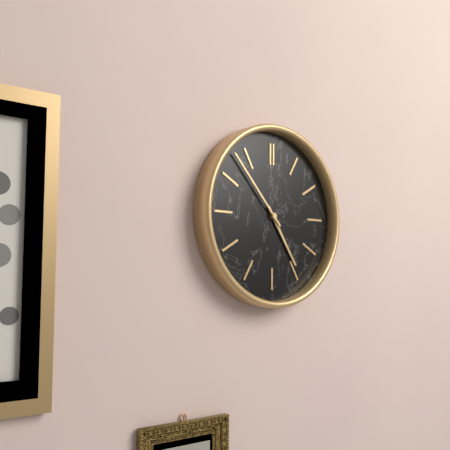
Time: **4:53**
